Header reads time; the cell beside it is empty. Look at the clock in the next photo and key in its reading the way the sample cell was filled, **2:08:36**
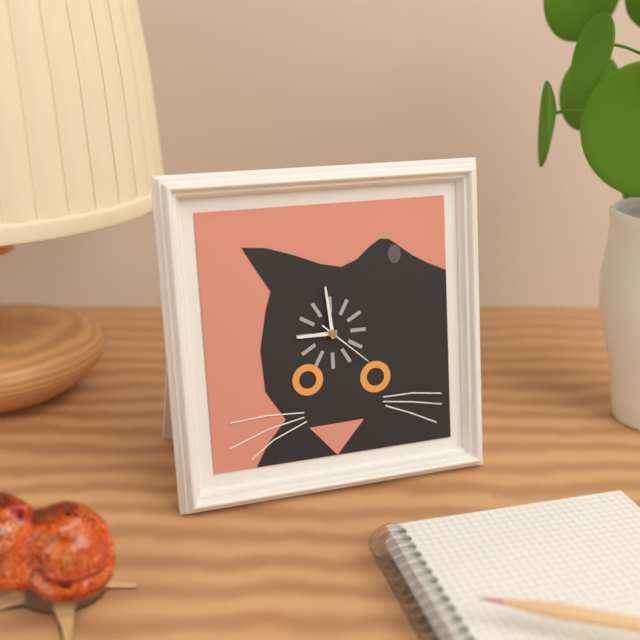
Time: **8:59:22**
